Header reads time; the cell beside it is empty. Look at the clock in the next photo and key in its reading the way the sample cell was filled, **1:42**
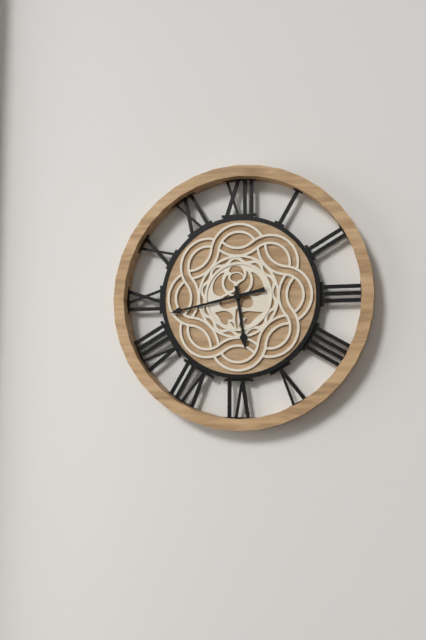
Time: **5:43**
